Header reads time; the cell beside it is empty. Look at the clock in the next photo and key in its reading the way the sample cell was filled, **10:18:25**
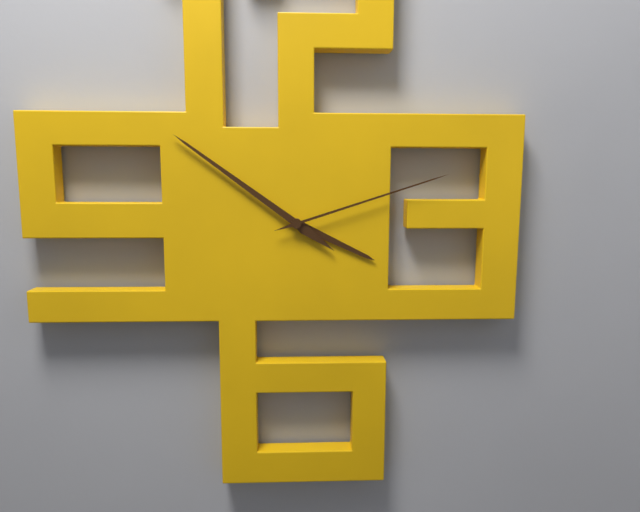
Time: **3:51:12**
